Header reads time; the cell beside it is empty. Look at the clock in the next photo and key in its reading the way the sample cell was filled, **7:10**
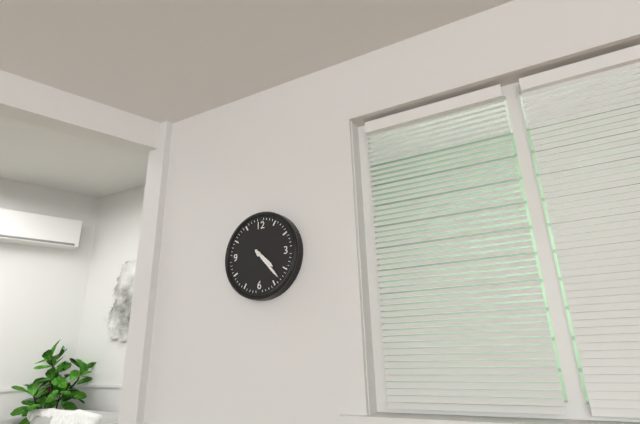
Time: **4:23**
